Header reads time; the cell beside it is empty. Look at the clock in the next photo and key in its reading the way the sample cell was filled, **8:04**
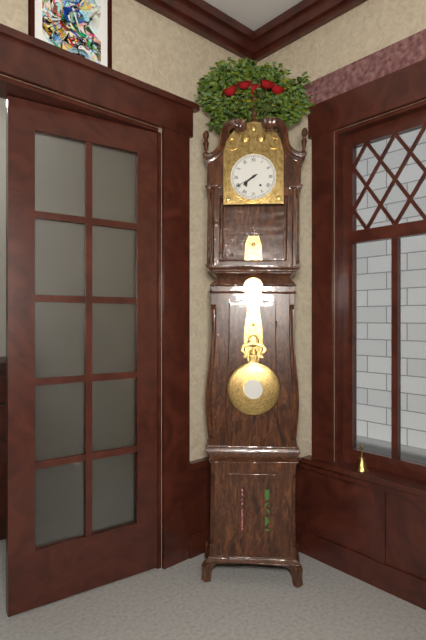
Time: **7:40**
